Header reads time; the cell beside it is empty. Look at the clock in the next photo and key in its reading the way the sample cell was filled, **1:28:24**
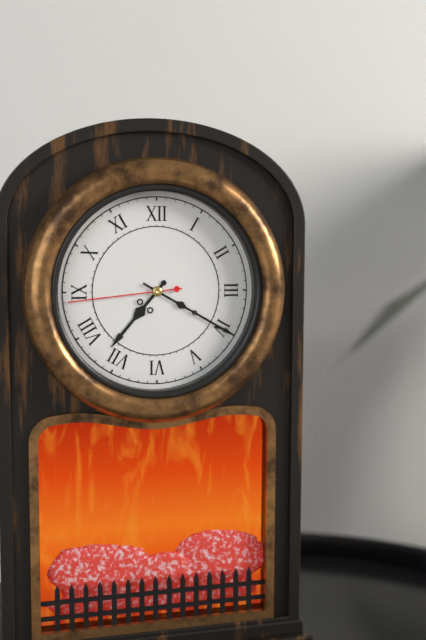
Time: **7:20:44**
